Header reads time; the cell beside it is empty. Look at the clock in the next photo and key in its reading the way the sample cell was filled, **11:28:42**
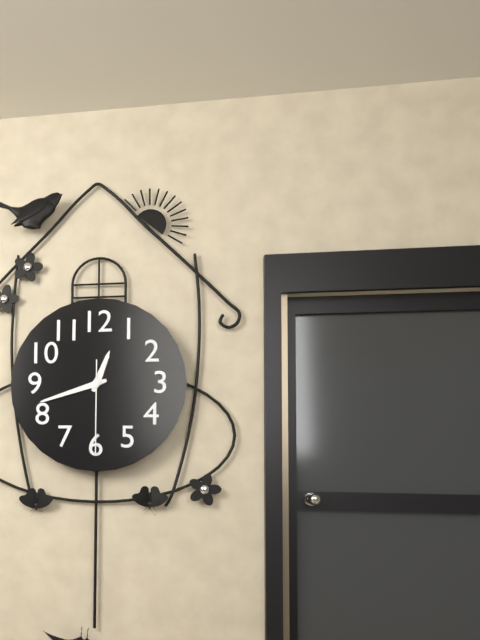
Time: **12:42:30**
